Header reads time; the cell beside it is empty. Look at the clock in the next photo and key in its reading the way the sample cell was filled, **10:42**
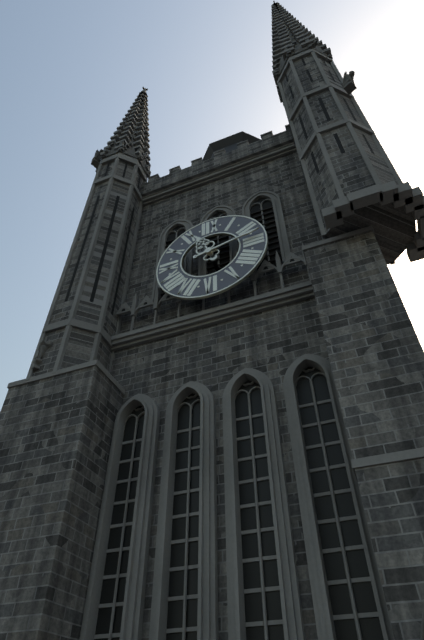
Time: **11:13**
